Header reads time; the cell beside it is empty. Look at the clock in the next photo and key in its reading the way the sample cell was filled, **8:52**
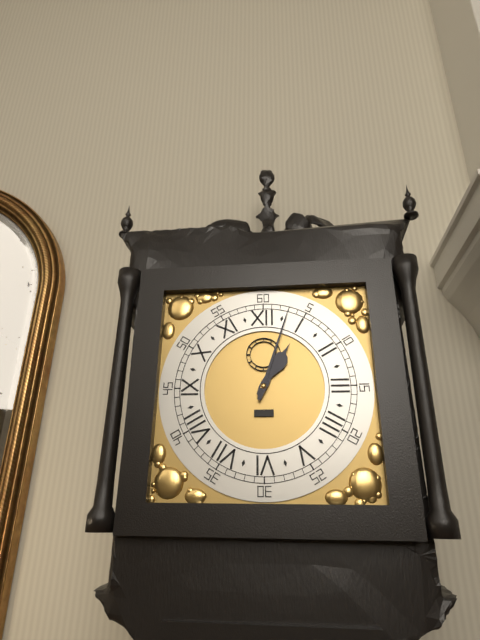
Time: **1:03**
